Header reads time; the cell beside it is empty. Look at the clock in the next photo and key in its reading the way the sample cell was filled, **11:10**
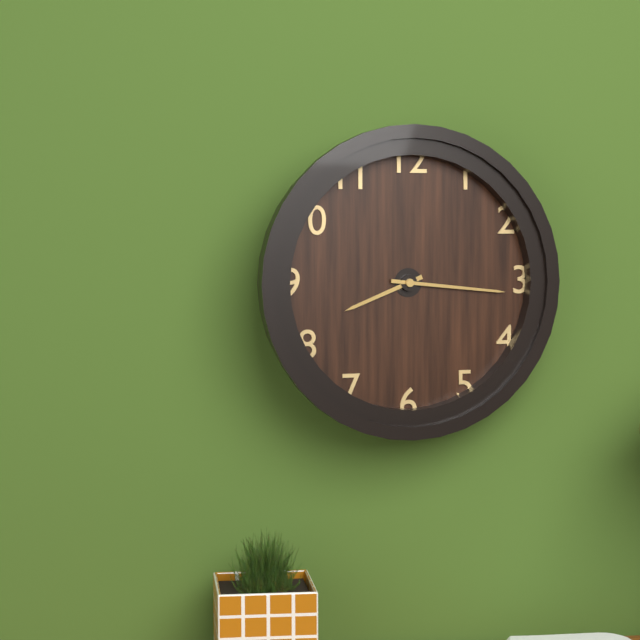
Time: **8:16**
